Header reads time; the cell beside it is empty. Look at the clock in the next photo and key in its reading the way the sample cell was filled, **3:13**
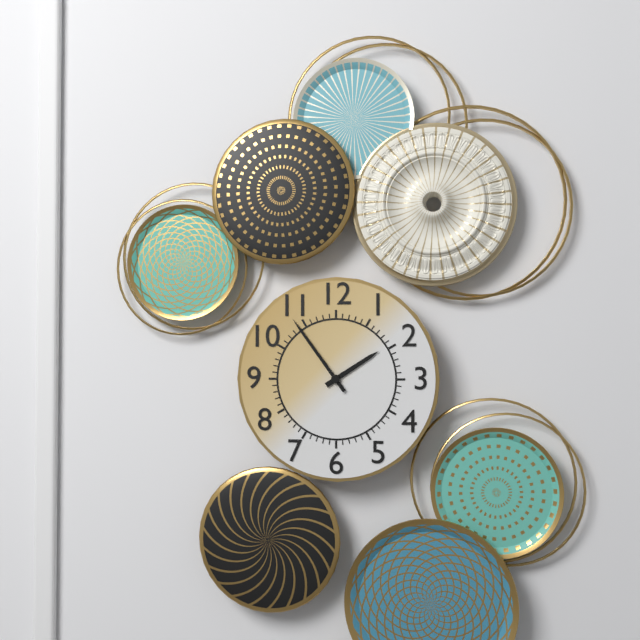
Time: **1:54**
